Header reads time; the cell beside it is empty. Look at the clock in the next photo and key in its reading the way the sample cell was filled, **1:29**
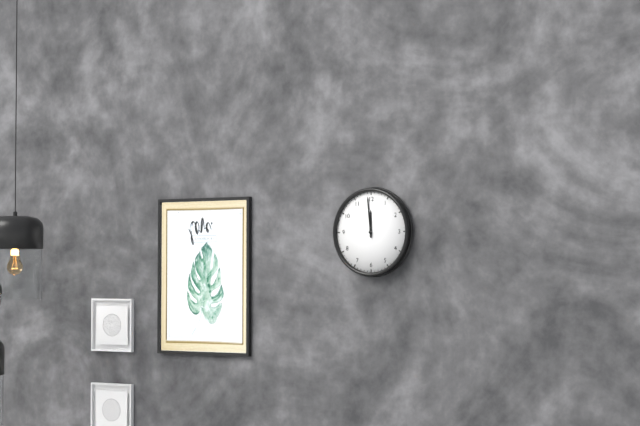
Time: **11:59**
